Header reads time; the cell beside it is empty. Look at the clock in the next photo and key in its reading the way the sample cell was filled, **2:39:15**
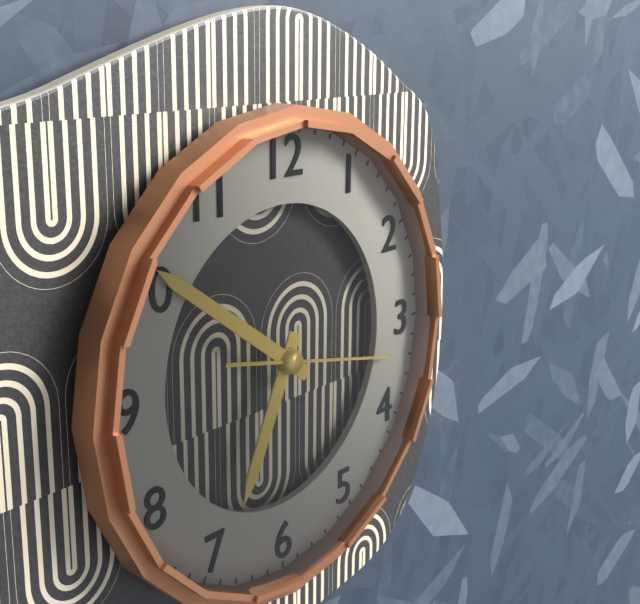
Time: **6:51:17**
